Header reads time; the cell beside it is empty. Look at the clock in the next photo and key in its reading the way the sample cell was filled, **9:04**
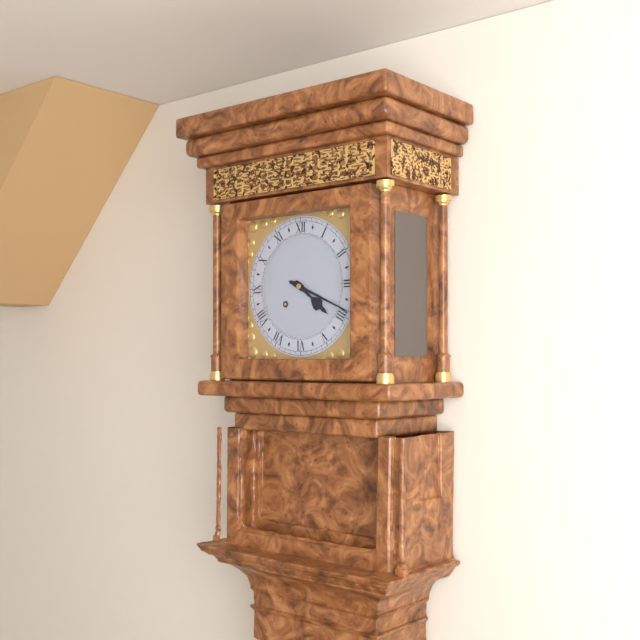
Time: **4:19**
